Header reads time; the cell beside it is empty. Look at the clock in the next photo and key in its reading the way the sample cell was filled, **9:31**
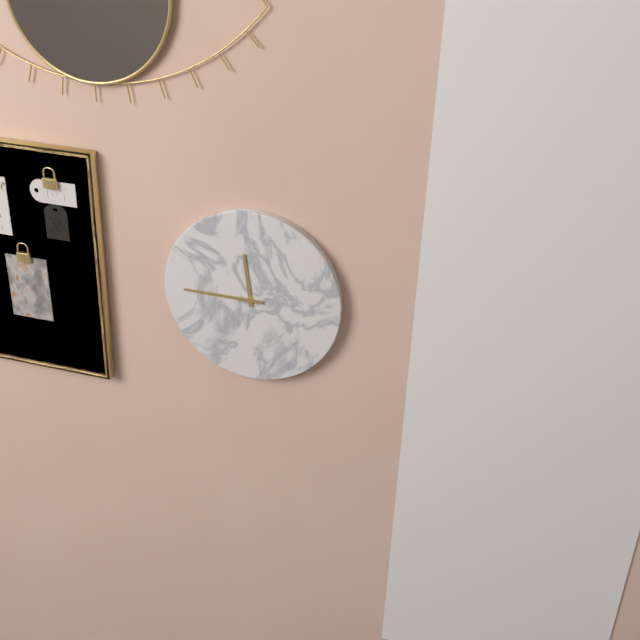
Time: **11:45**
